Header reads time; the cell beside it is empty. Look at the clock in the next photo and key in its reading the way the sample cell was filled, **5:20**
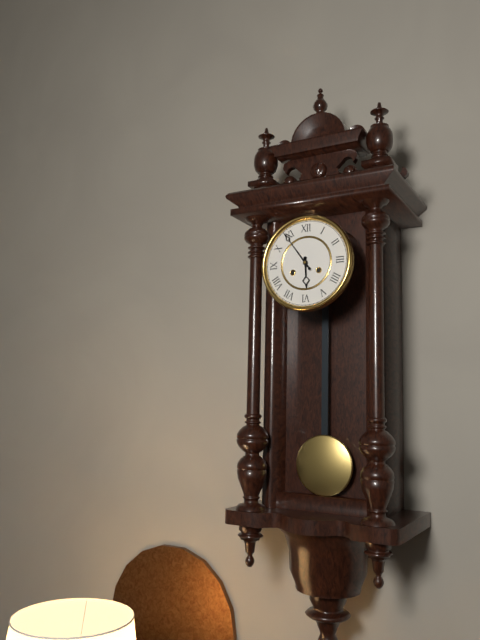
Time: **5:54**
